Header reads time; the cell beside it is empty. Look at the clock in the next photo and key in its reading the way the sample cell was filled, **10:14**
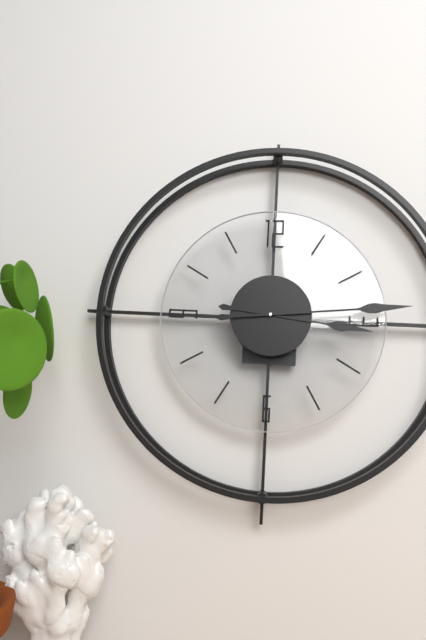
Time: **3:14**
